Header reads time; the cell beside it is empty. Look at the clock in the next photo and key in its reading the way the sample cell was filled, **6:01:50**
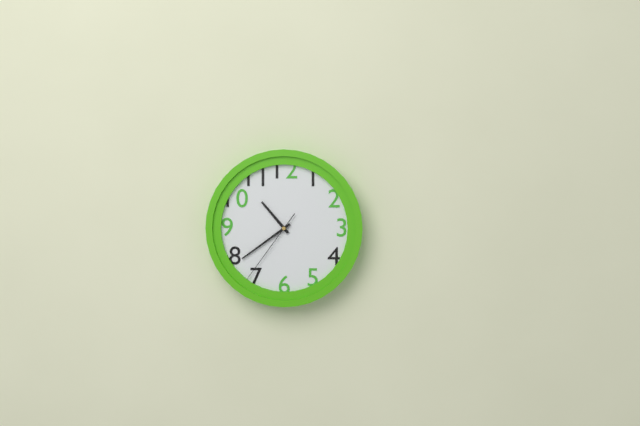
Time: **10:39:36**
